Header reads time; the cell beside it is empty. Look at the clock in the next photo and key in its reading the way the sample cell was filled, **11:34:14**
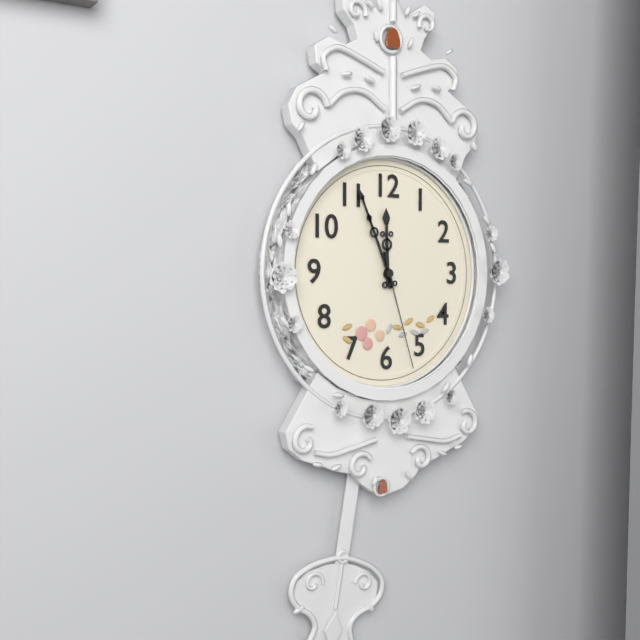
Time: **11:56:27**
